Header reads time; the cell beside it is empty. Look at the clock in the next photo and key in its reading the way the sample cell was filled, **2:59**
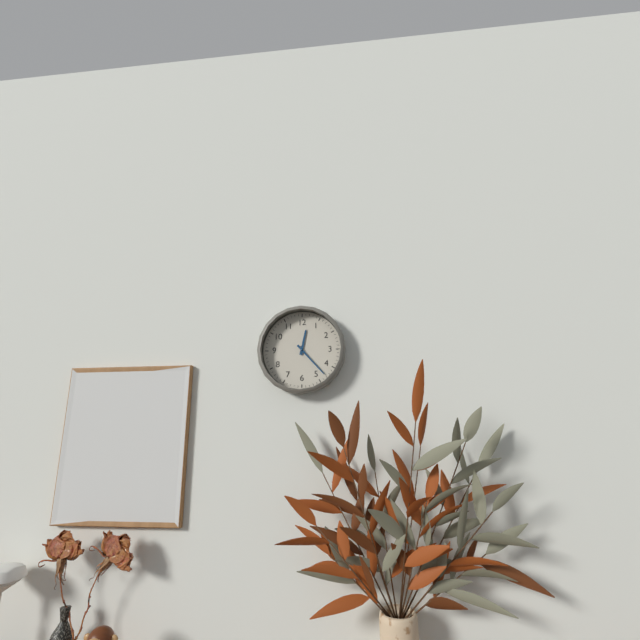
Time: **12:23**
